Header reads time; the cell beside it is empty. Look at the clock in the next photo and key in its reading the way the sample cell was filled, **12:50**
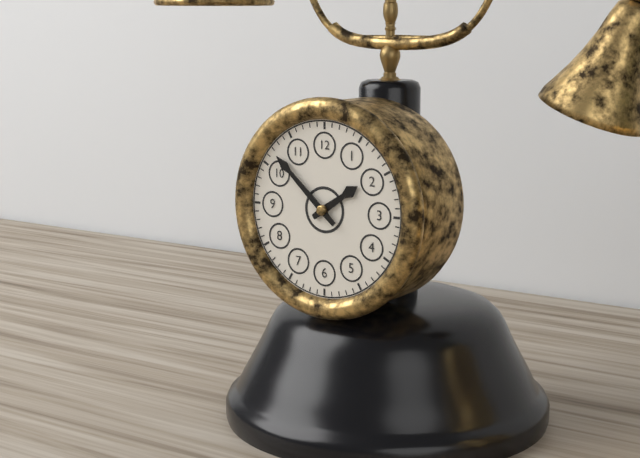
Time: **1:52**
